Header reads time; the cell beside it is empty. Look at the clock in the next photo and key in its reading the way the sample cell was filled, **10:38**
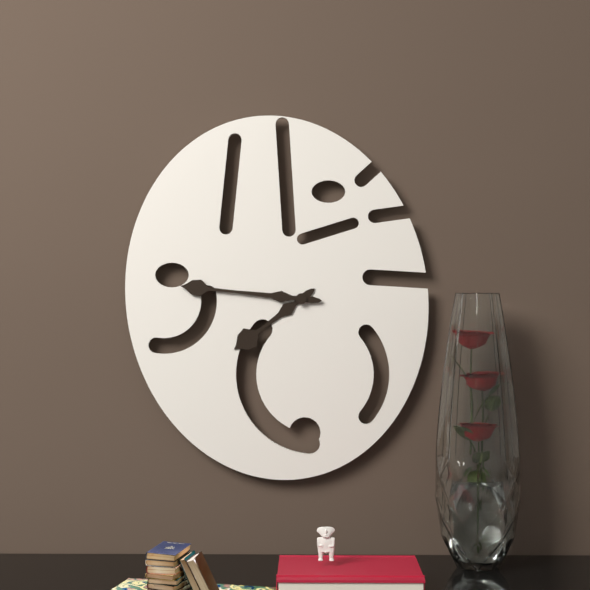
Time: **7:46**
